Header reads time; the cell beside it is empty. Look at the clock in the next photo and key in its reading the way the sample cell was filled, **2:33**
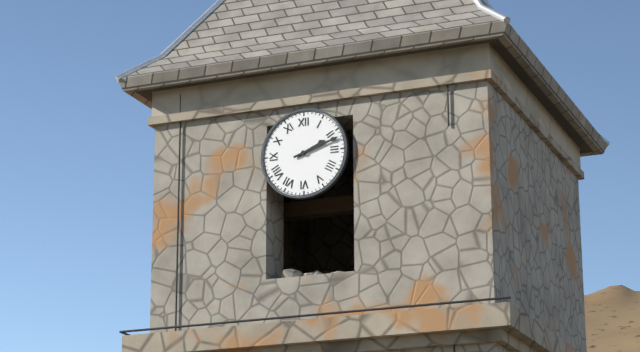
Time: **2:12**
